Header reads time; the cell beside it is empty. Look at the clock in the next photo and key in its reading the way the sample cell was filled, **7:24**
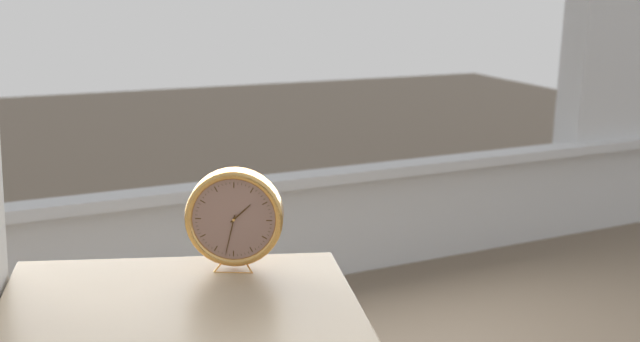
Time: **1:32**
